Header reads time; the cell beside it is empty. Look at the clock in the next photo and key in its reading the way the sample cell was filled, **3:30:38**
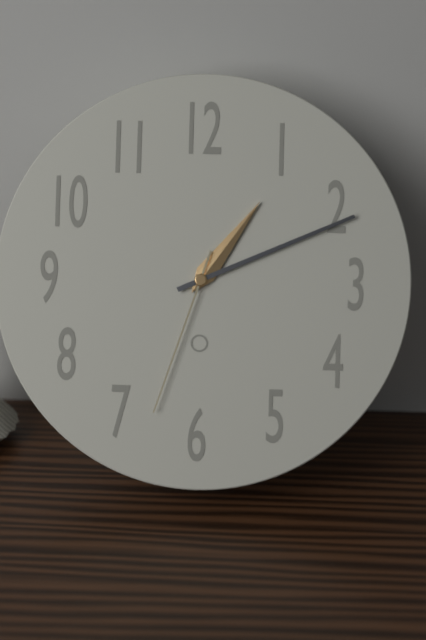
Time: **1:11:33**
